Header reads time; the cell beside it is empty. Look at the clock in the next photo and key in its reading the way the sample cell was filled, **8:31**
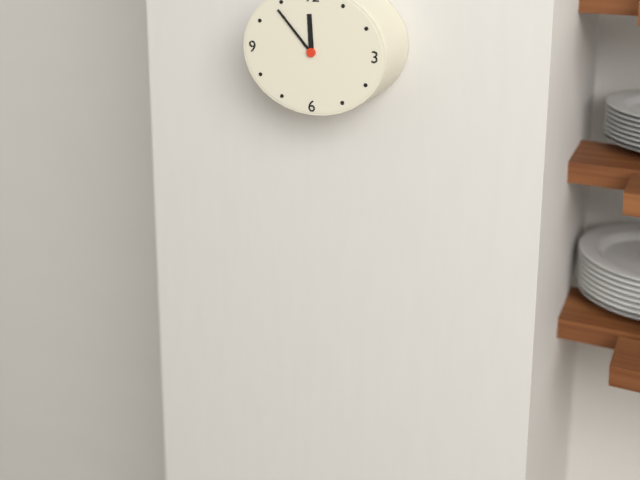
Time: **11:53**
